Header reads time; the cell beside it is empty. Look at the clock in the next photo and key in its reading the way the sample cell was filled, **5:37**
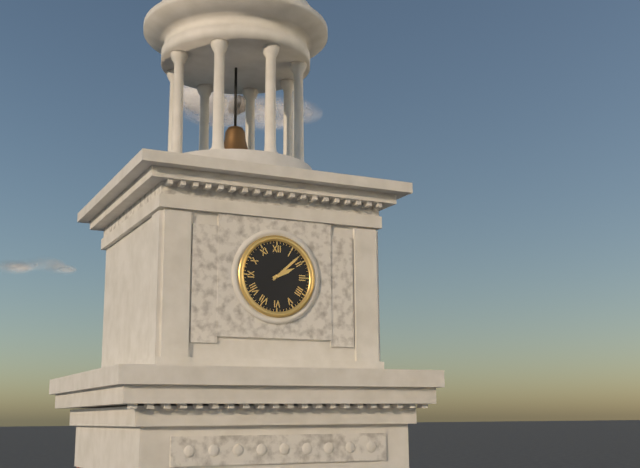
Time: **2:08**
